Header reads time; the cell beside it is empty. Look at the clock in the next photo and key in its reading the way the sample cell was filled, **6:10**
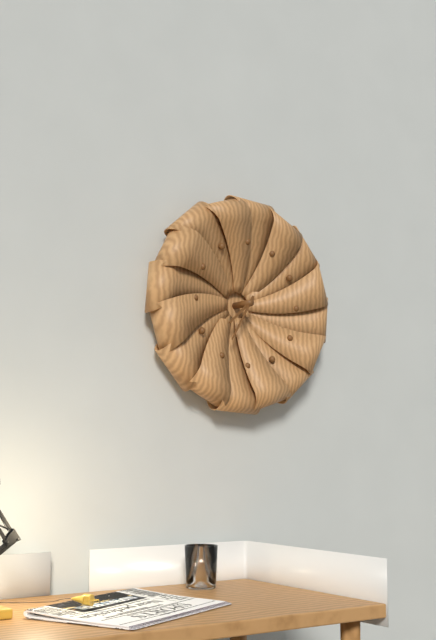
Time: **7:35**
